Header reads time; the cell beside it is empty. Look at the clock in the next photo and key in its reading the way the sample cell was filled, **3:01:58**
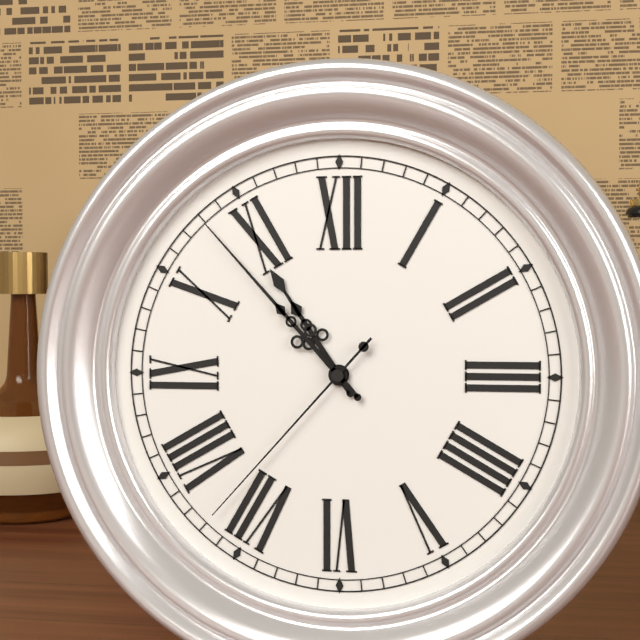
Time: **10:53:37**
